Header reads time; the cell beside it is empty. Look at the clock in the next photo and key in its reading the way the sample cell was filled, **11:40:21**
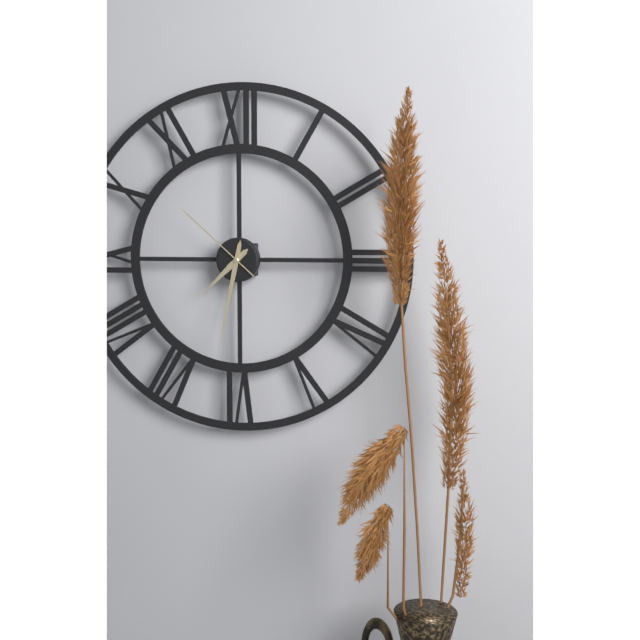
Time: **7:32:52**
